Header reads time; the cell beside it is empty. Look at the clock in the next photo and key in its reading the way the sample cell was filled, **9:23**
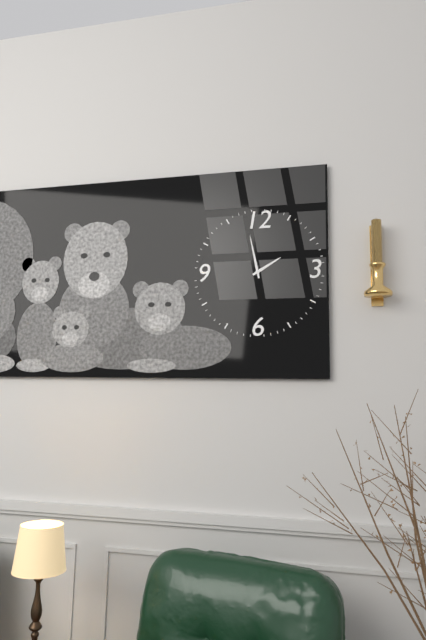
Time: **1:58**
